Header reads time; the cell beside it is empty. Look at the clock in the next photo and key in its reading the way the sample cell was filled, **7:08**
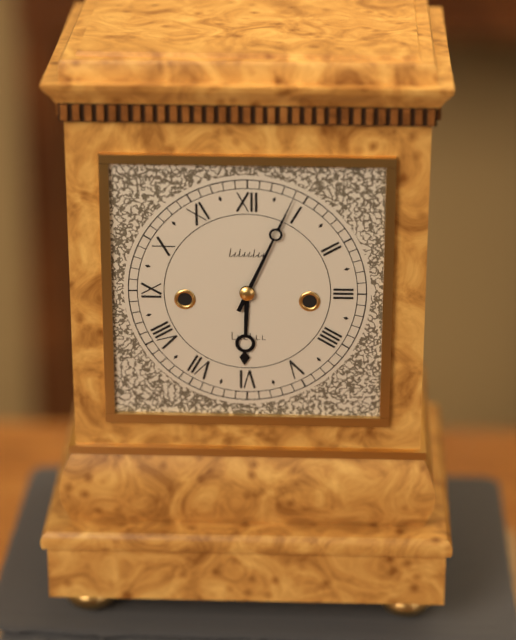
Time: **6:04**
